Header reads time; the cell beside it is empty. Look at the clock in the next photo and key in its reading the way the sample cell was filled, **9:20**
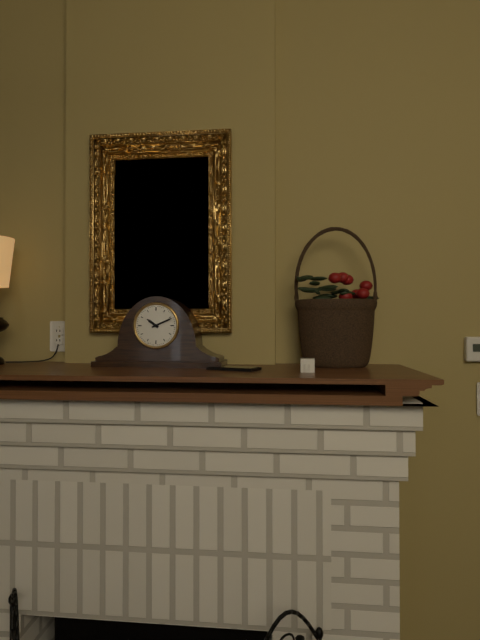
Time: **10:11**
